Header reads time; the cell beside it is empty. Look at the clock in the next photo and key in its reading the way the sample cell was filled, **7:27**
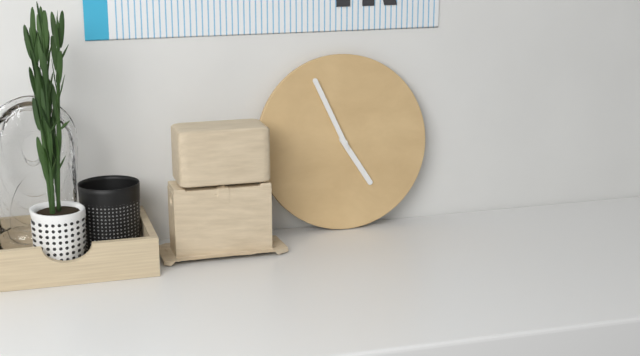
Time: **4:56**
